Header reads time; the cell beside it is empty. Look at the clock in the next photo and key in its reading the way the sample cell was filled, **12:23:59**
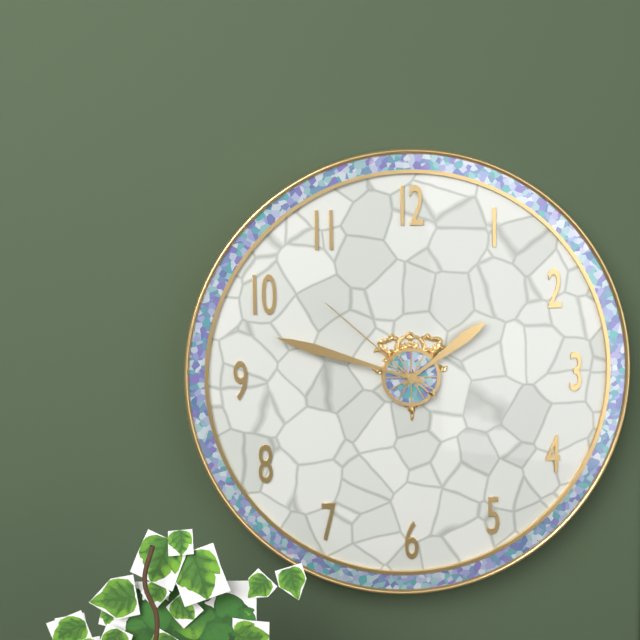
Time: **1:48:52**
